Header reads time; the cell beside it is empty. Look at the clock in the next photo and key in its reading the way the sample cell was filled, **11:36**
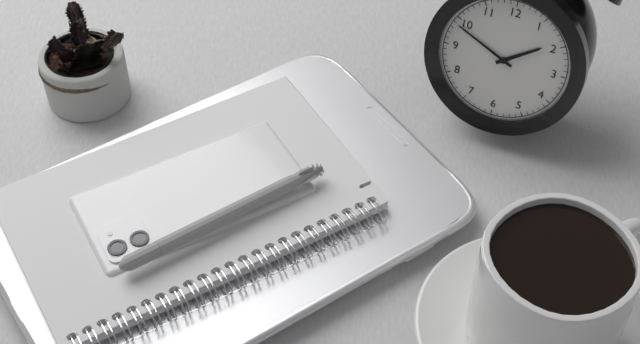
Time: **1:49**
